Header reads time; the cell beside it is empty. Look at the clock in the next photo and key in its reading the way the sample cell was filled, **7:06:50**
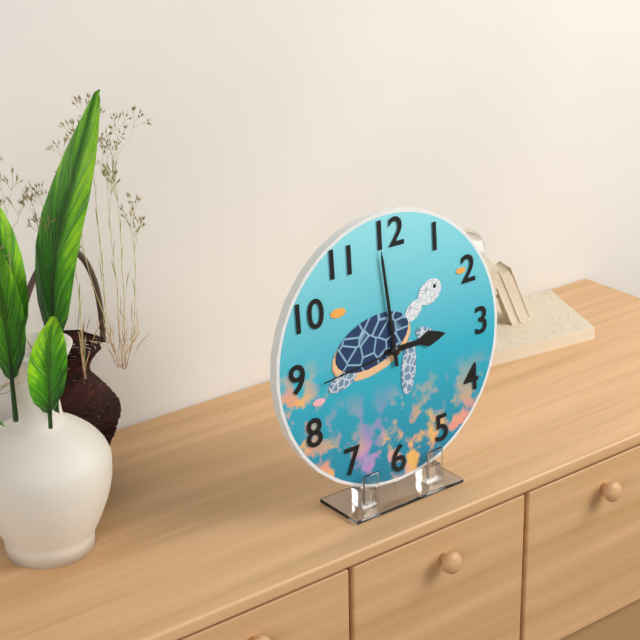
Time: **2:59:44**
